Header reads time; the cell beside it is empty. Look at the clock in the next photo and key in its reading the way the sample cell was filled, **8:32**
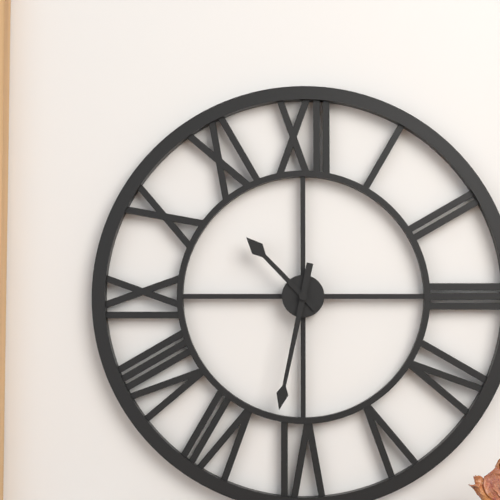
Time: **10:32**
